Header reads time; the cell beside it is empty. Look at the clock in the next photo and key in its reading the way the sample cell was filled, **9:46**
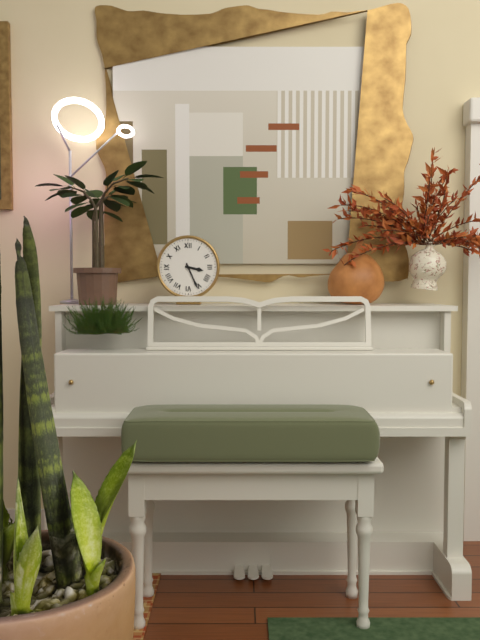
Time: **3:26**
